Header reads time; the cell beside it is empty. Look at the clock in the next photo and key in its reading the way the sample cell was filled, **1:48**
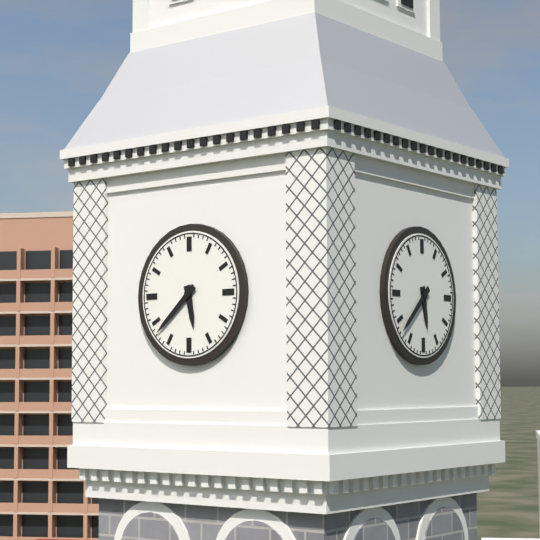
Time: **5:38**
